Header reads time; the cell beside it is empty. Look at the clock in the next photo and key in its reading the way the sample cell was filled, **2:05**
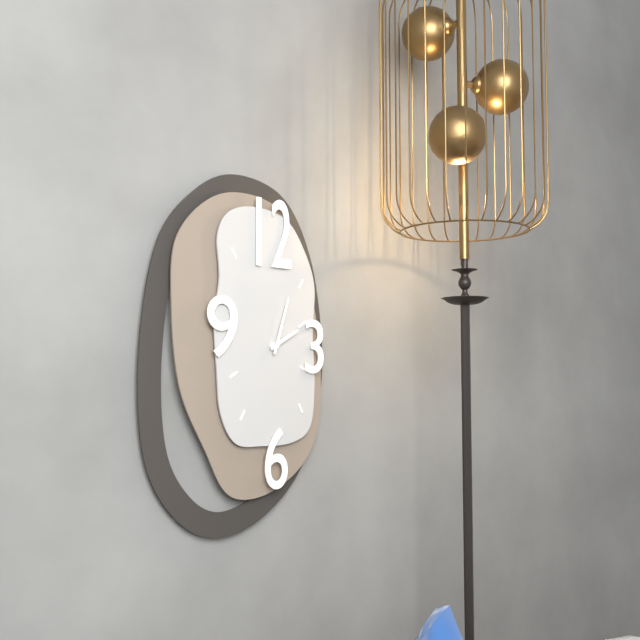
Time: **2:03**
